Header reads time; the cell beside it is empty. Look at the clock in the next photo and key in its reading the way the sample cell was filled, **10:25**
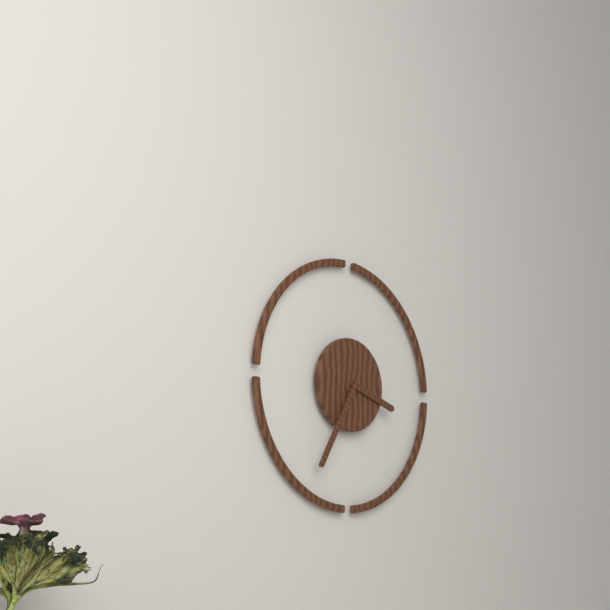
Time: **3:35**
